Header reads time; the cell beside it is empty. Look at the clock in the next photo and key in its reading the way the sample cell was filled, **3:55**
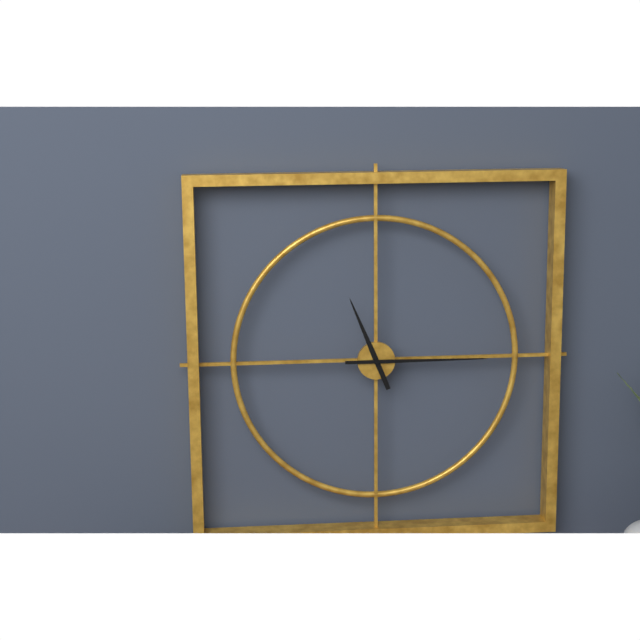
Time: **11:15**
